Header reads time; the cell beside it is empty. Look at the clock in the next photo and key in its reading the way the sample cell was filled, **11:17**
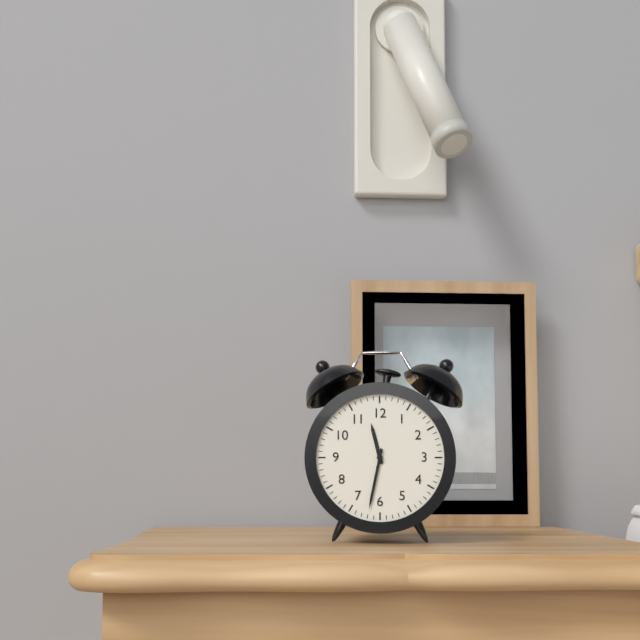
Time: **11:32**
